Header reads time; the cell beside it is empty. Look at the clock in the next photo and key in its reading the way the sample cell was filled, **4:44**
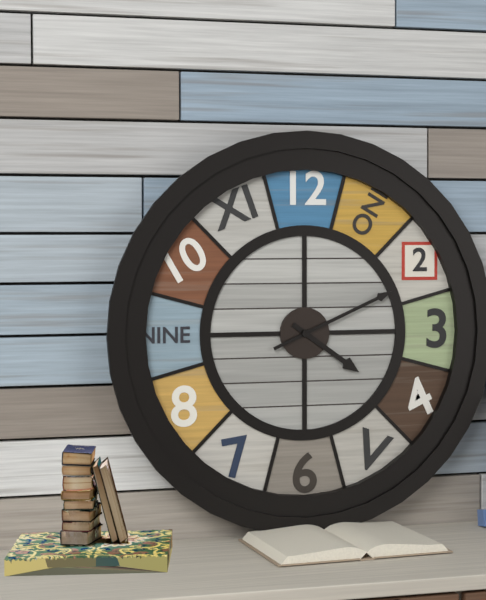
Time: **4:11**
